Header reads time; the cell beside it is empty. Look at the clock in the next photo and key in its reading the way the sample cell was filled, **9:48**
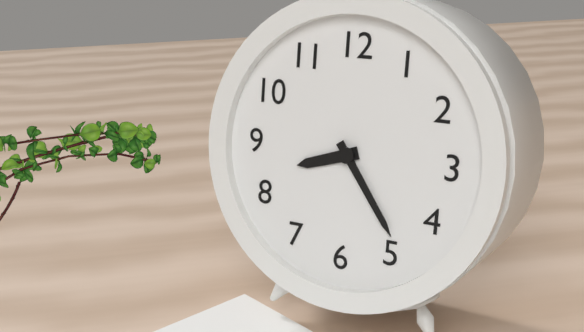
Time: **8:24**
